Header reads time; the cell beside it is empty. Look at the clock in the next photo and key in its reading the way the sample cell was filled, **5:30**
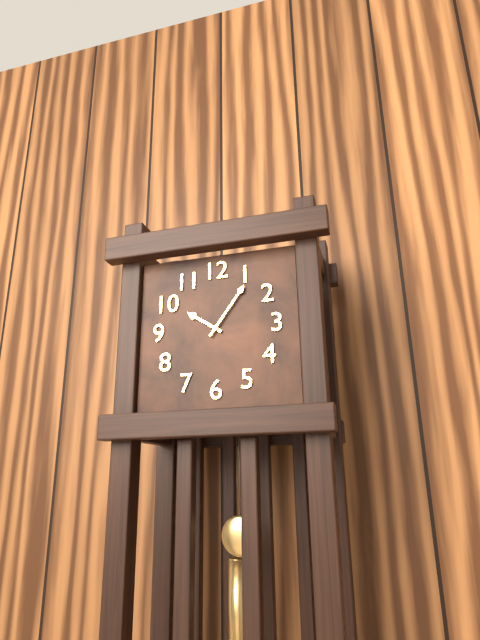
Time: **10:06**
